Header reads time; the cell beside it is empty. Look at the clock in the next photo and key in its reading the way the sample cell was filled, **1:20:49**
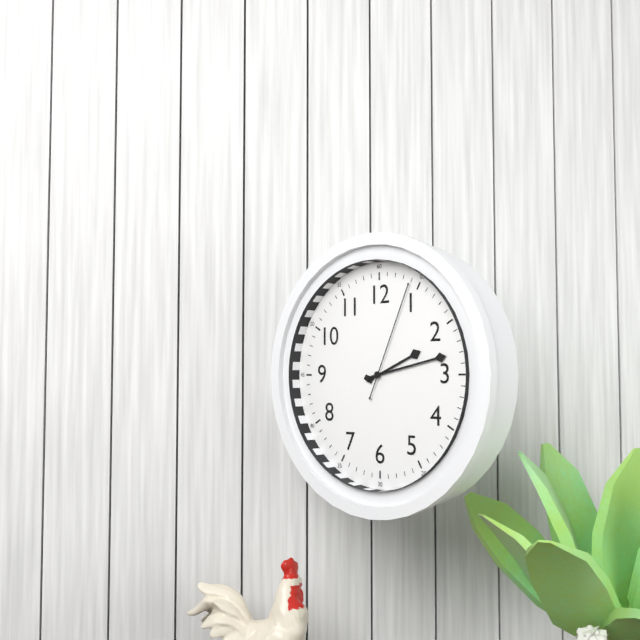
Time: **2:13:04**
